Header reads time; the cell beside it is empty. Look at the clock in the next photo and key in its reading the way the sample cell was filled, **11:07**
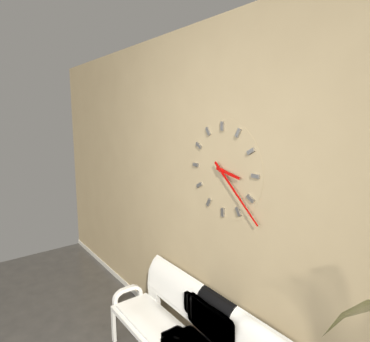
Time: **3:22**
